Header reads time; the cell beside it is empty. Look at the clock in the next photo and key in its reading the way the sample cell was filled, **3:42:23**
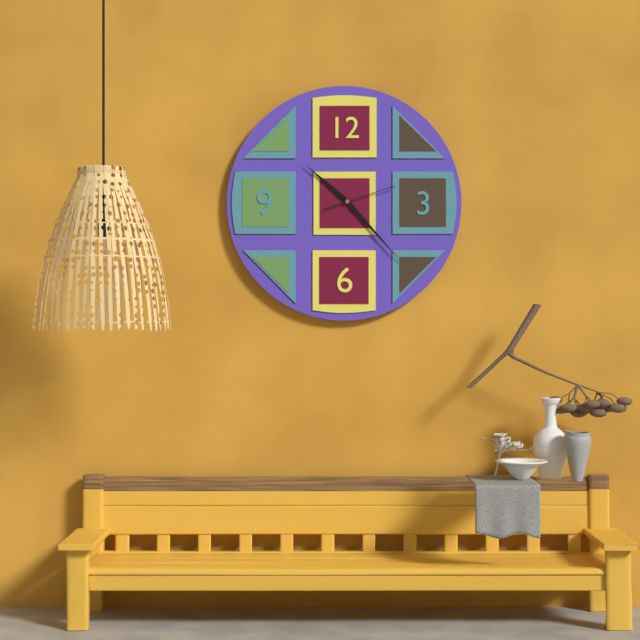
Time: **10:23:12**
